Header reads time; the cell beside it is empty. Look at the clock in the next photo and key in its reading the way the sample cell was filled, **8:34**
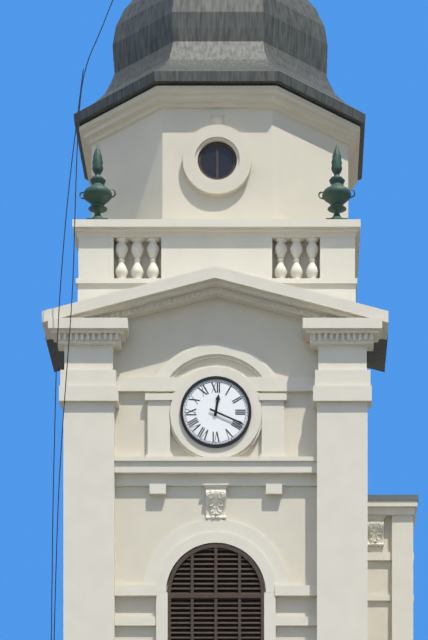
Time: **12:19**
